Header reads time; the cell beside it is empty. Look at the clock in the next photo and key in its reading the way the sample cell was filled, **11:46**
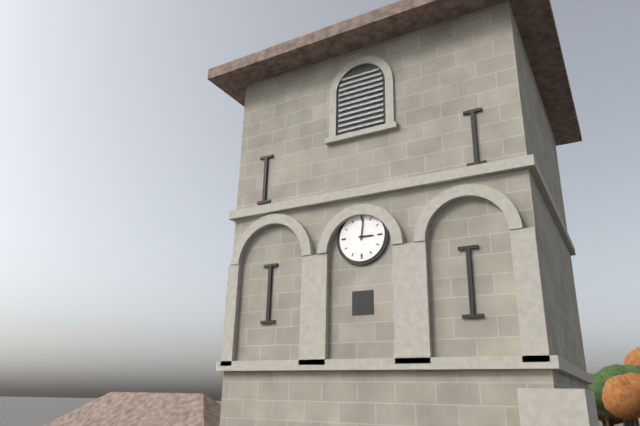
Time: **3:01**
